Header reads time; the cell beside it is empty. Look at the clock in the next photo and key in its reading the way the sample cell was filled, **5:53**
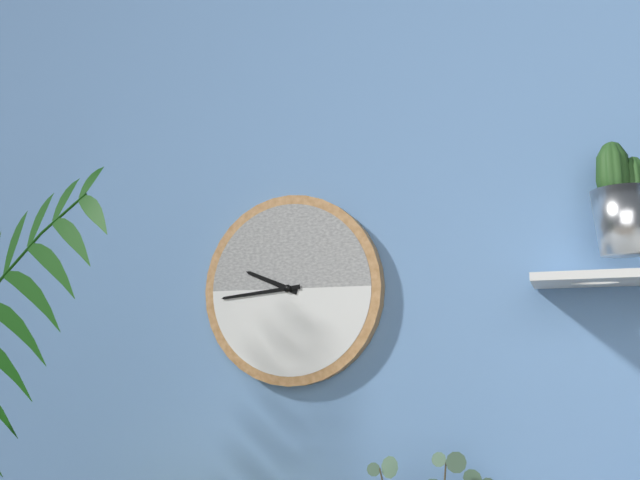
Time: **9:44**
